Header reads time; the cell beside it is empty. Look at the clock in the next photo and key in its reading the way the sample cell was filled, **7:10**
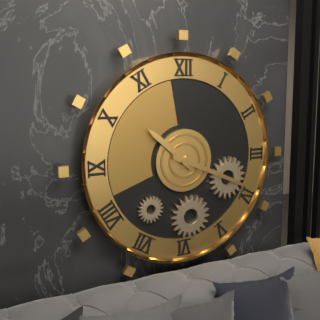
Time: **10:19**
